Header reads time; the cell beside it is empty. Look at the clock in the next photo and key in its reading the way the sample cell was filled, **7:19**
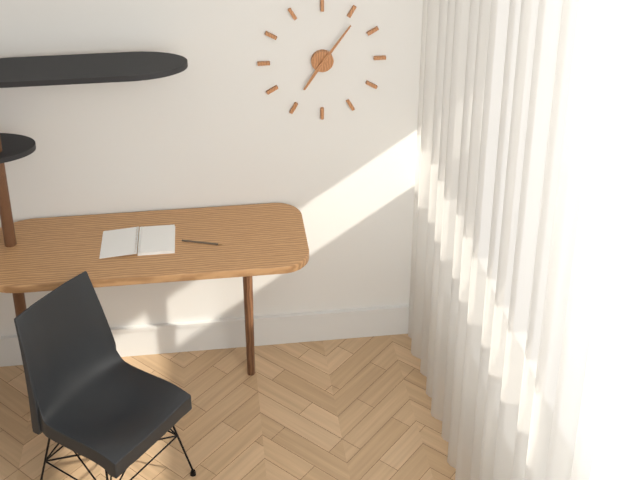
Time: **7:06**
